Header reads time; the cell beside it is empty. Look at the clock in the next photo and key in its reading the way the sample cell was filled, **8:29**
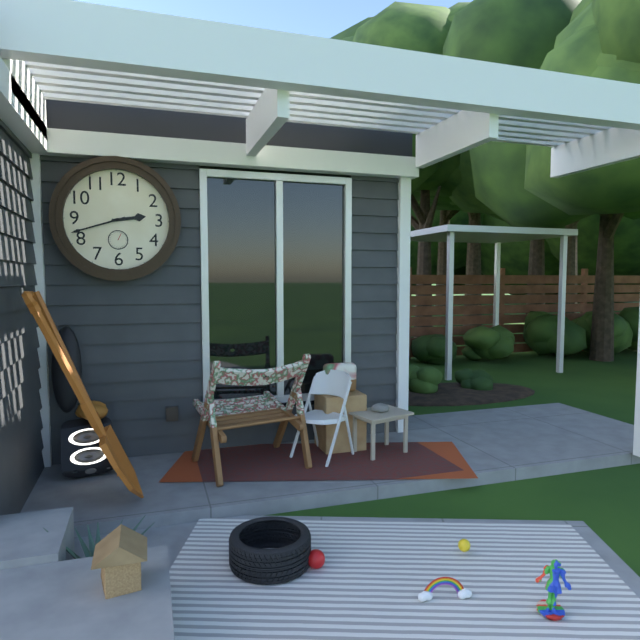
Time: **2:42**
